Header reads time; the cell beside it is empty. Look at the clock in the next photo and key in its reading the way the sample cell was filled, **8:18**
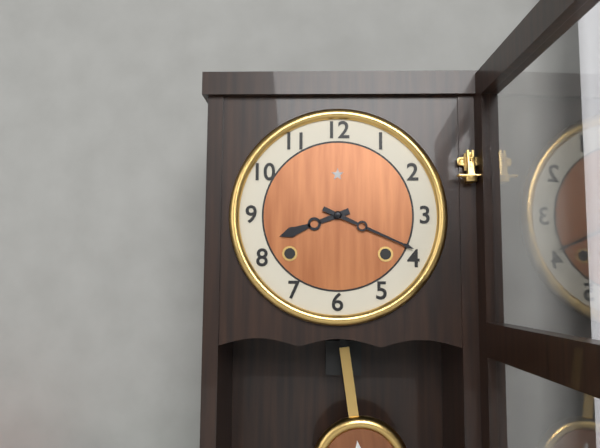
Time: **8:19**
